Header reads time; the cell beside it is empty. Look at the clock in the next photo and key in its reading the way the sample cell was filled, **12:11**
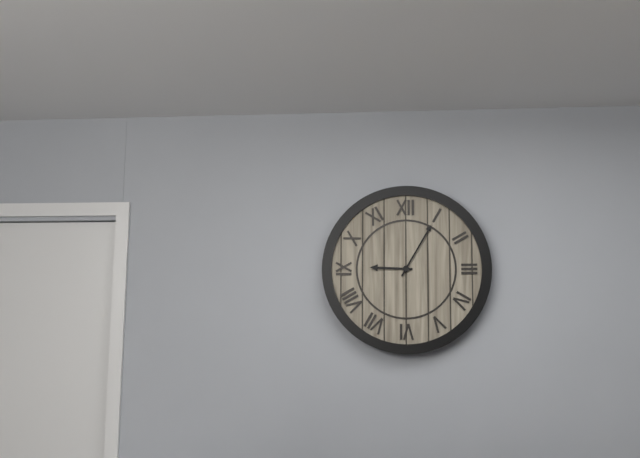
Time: **9:05**
